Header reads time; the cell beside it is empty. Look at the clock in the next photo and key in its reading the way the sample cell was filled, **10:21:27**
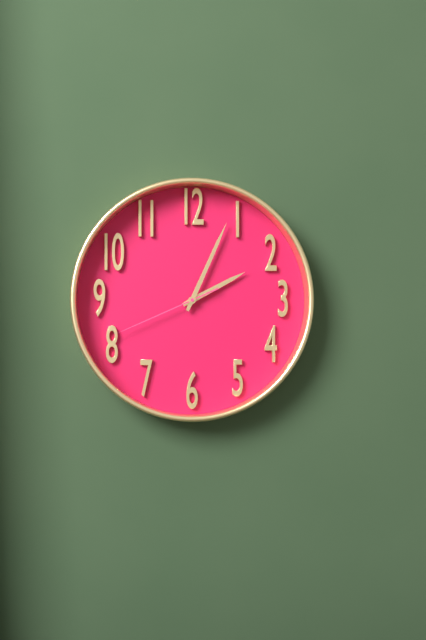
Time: **2:04:41**
